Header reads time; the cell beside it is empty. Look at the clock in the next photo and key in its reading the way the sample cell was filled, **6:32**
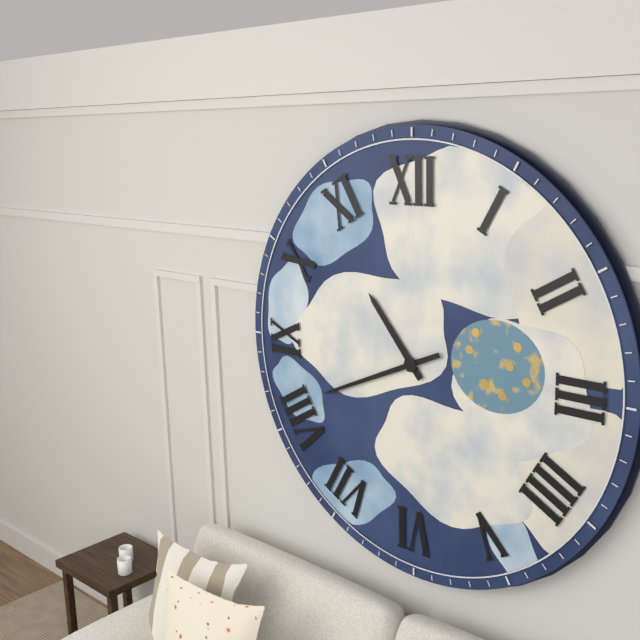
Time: **10:41**
